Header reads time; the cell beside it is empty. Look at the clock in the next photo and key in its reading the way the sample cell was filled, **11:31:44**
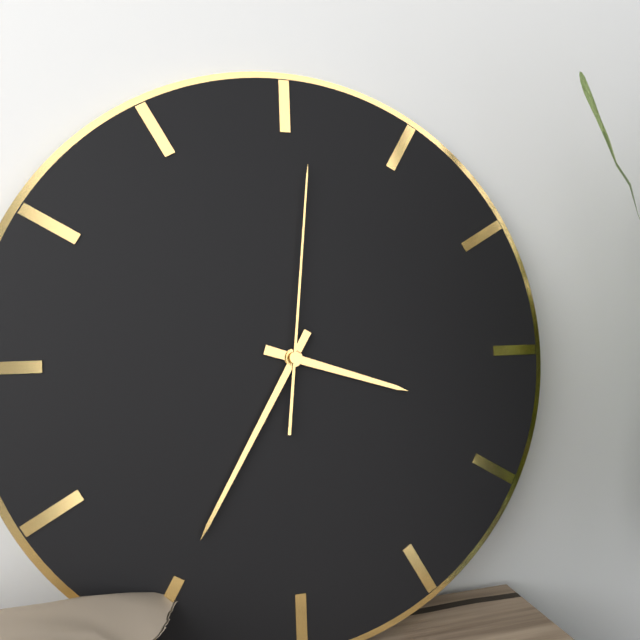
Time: **3:35:01**
